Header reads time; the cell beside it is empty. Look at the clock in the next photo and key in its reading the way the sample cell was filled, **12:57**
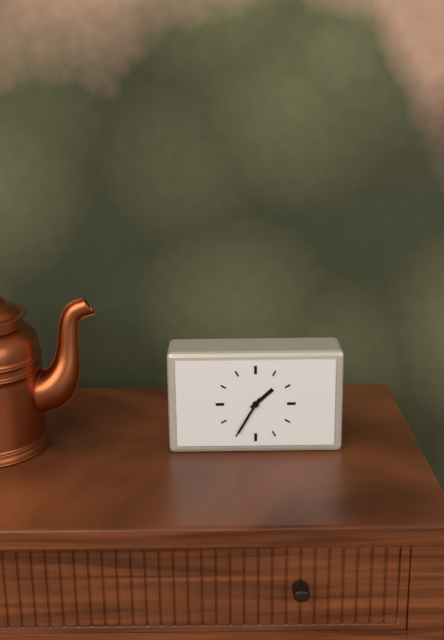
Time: **1:35**
